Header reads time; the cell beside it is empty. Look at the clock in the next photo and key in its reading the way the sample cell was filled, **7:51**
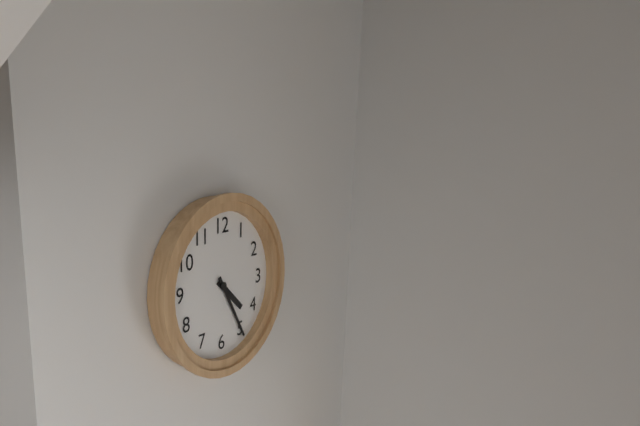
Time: **4:25**
